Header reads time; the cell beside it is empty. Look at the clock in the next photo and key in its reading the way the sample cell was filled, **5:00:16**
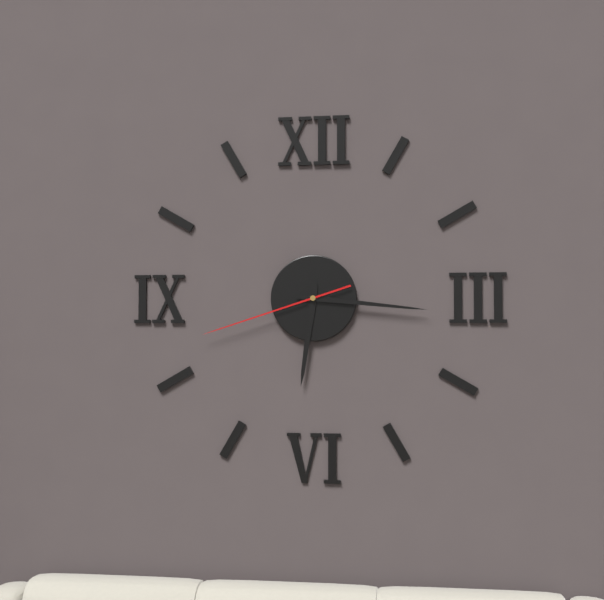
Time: **6:16:42**
